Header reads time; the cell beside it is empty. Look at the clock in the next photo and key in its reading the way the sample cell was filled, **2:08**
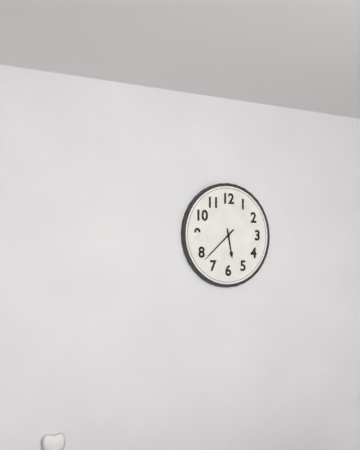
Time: **5:38**
